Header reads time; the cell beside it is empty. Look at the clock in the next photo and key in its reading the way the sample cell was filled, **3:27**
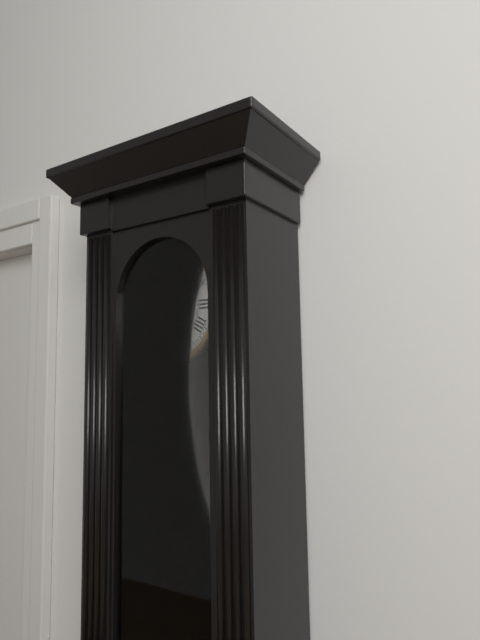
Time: **11:10**
